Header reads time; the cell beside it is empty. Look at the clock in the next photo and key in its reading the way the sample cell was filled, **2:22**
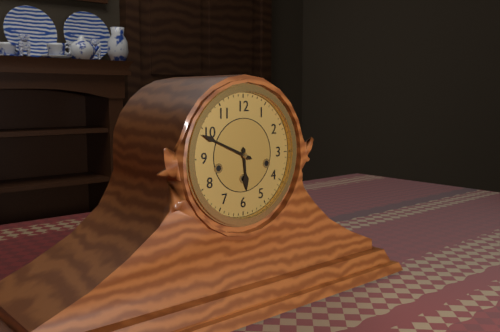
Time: **5:49**
